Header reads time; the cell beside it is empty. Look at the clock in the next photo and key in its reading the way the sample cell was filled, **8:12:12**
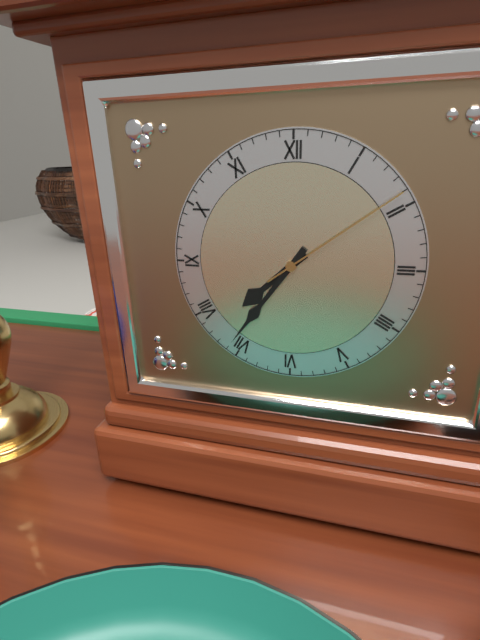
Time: **7:36:09**
